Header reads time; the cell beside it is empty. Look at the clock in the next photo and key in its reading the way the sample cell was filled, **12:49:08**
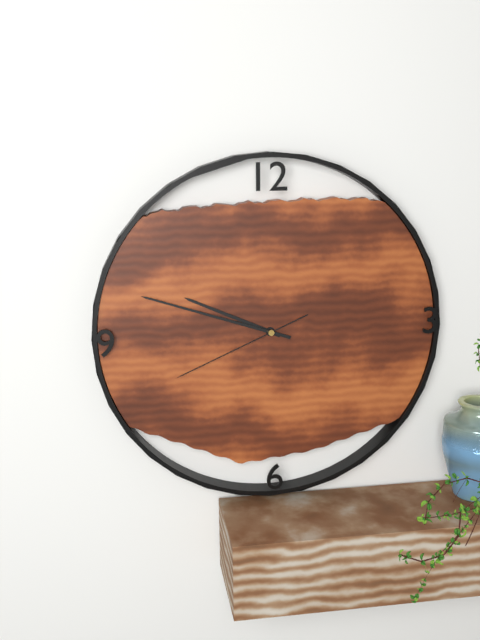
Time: **9:48:41**
